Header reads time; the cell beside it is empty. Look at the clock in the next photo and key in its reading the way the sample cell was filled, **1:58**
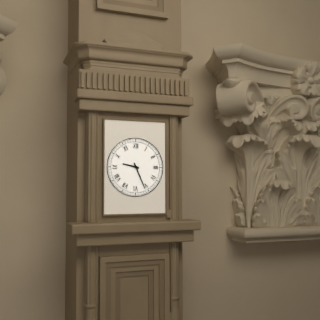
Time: **9:26**
